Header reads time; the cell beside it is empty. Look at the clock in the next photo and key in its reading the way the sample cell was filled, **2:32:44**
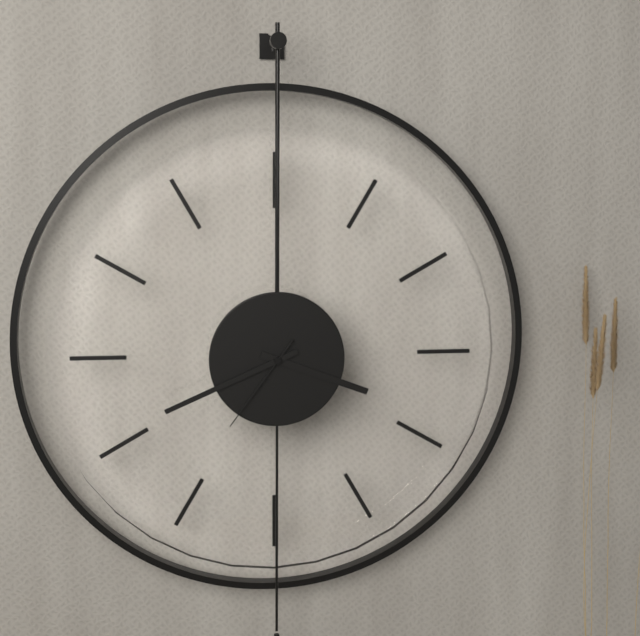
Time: **3:41:36**
